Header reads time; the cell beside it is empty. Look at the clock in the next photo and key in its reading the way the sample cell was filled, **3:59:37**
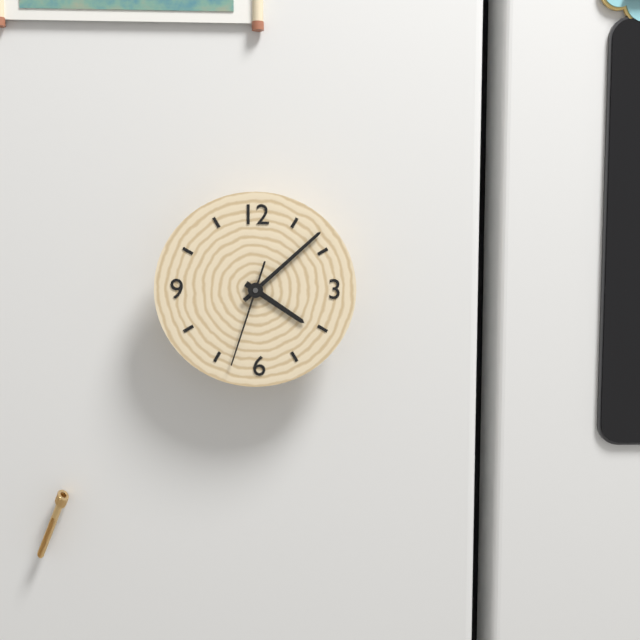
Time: **4:08:33**
